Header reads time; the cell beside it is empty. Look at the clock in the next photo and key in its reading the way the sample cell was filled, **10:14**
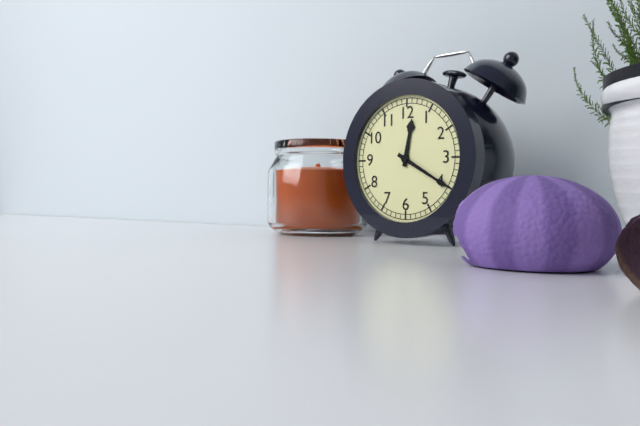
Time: **12:20**
